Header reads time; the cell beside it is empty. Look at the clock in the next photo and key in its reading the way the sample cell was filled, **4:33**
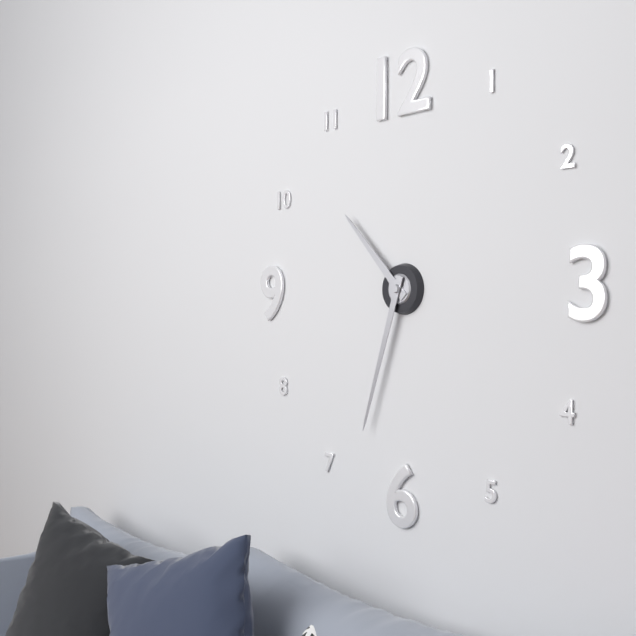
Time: **10:33**
